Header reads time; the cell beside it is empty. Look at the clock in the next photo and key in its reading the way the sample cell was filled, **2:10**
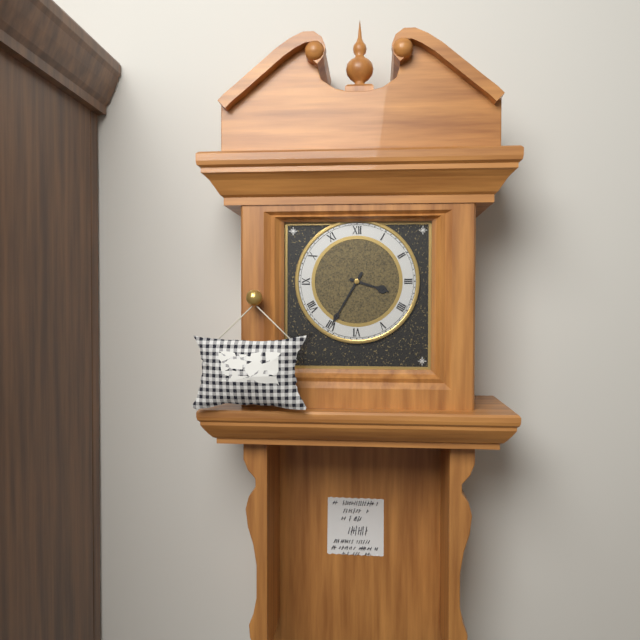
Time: **3:35**
